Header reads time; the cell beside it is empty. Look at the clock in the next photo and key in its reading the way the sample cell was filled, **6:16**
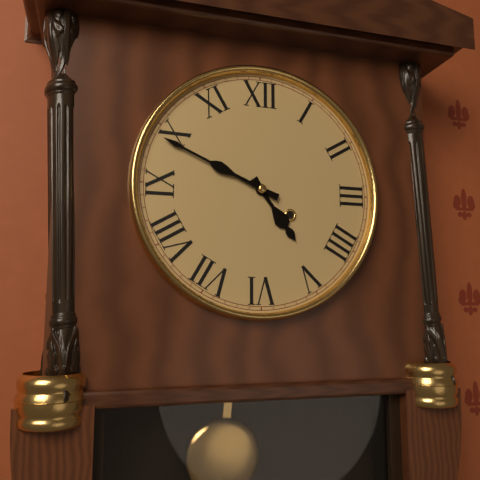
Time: **4:49**
